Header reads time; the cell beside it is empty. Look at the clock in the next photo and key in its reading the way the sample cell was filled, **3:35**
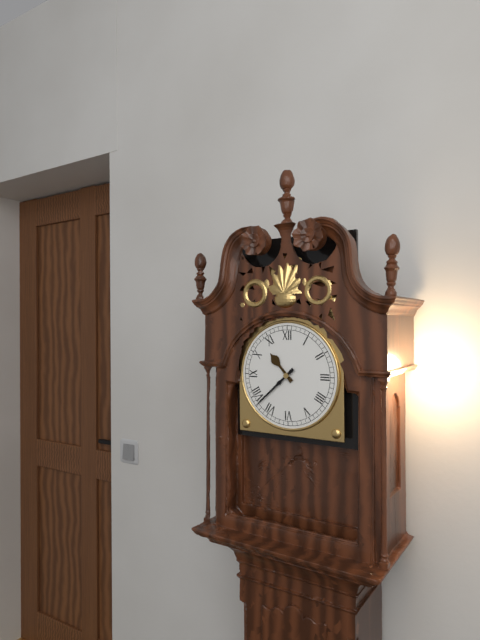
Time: **10:38**
